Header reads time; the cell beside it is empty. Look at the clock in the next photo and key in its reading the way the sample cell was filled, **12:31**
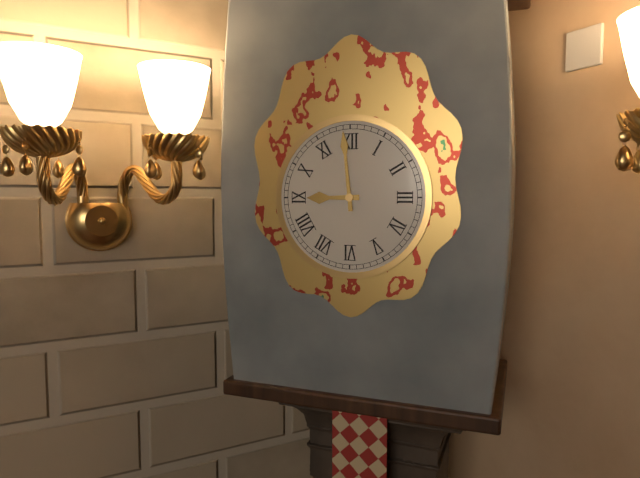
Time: **8:59**
